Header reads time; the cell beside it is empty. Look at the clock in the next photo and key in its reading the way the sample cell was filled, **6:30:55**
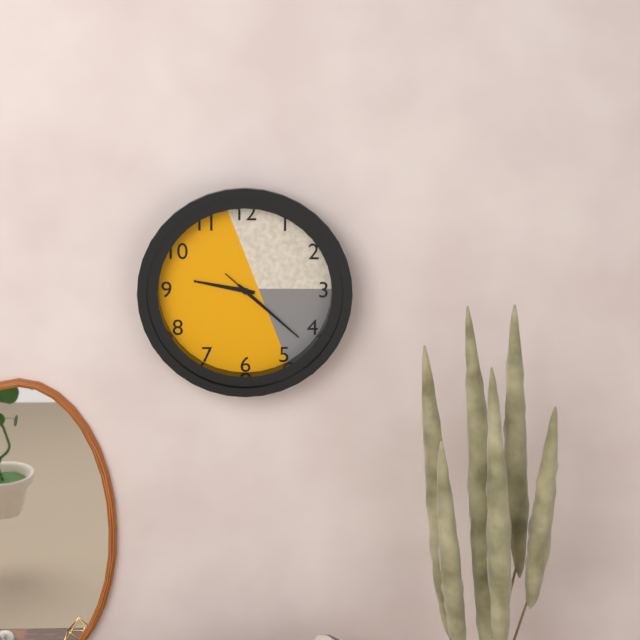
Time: **9:22:22**
